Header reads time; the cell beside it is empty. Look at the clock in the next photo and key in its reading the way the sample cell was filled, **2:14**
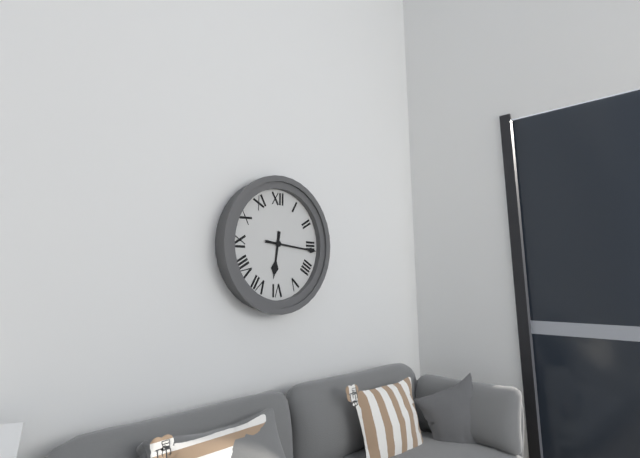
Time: **6:16**
